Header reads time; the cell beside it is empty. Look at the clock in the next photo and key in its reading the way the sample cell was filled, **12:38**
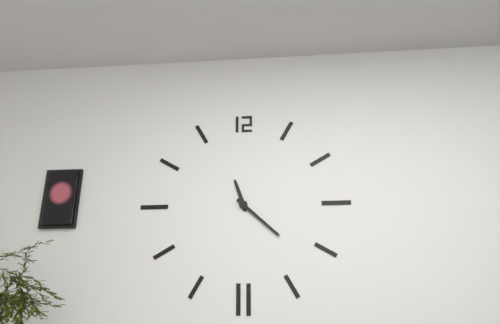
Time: **11:22**
